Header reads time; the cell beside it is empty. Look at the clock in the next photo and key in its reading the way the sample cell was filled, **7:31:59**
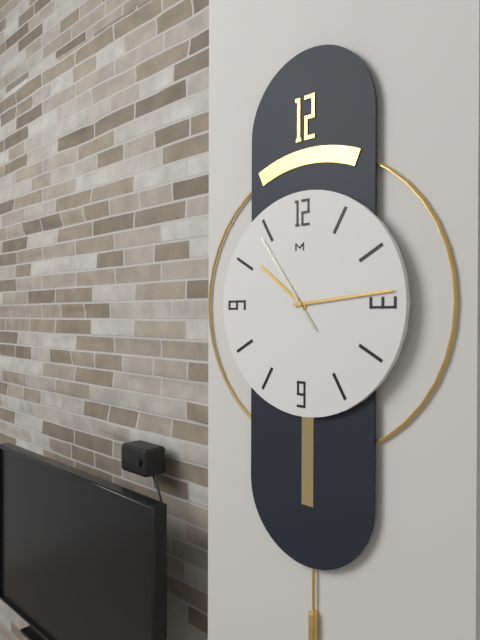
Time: **10:14:54**
